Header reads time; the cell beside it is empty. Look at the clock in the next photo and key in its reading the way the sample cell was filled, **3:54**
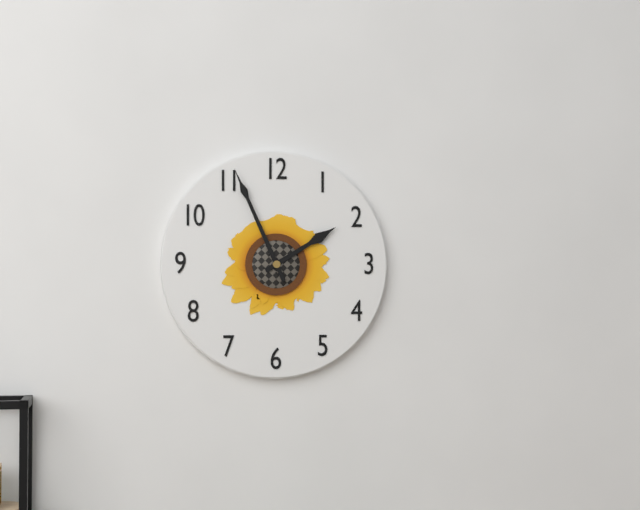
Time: **1:56**
